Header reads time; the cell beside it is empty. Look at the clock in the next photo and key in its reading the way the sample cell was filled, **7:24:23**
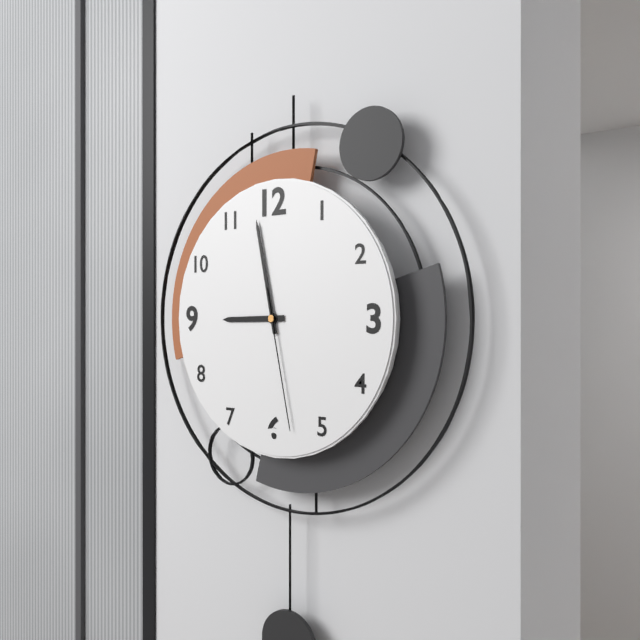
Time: **8:58:28**
